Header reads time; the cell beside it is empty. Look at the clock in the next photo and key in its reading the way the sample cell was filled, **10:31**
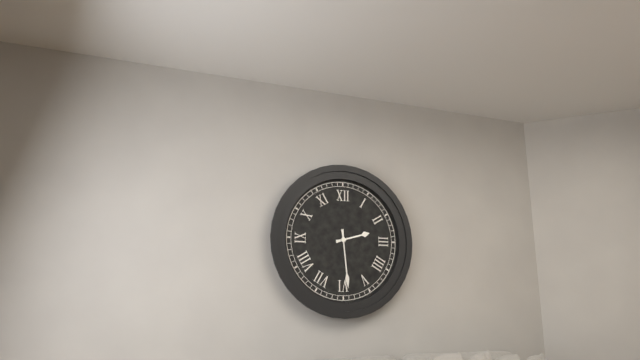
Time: **2:29**
